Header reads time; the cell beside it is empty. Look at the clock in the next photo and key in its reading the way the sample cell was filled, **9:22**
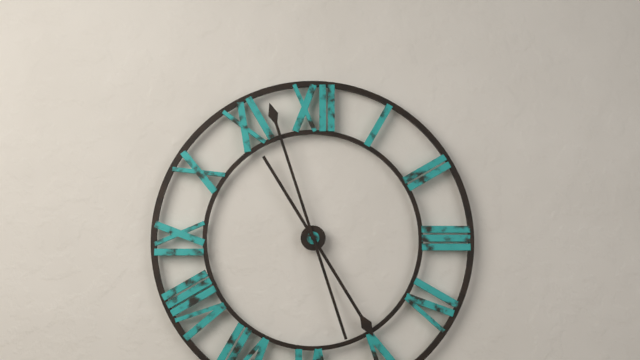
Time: **4:57**
